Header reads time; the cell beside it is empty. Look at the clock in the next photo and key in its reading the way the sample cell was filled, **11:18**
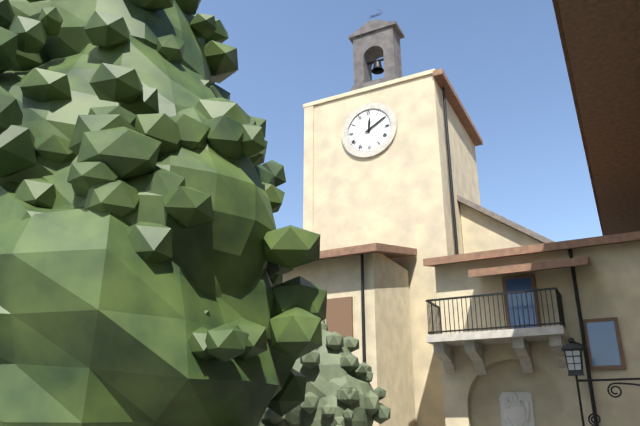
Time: **12:10**
